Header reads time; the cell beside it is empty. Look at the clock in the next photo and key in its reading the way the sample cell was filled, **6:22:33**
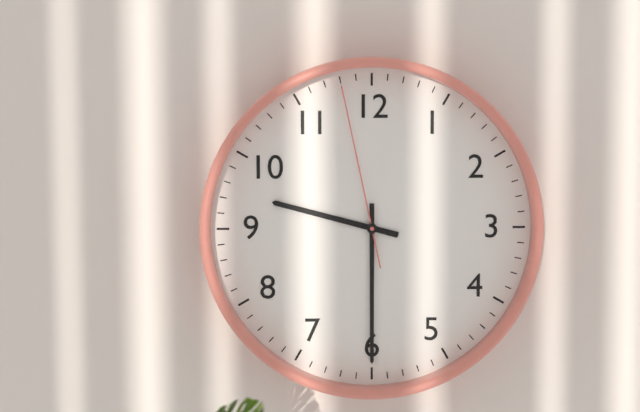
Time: **9:30:58**
